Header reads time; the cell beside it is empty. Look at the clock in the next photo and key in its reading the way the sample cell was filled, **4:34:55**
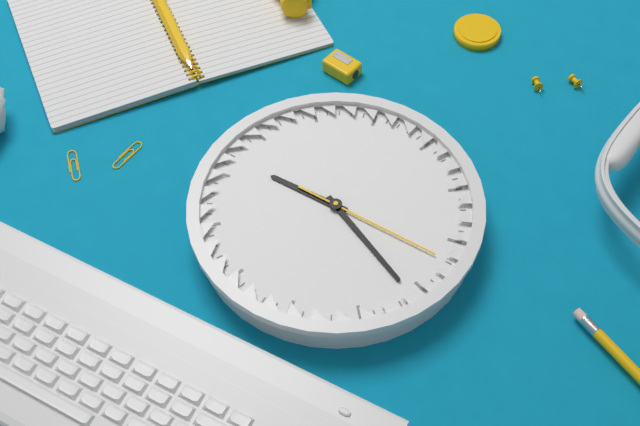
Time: **9:21:17**
